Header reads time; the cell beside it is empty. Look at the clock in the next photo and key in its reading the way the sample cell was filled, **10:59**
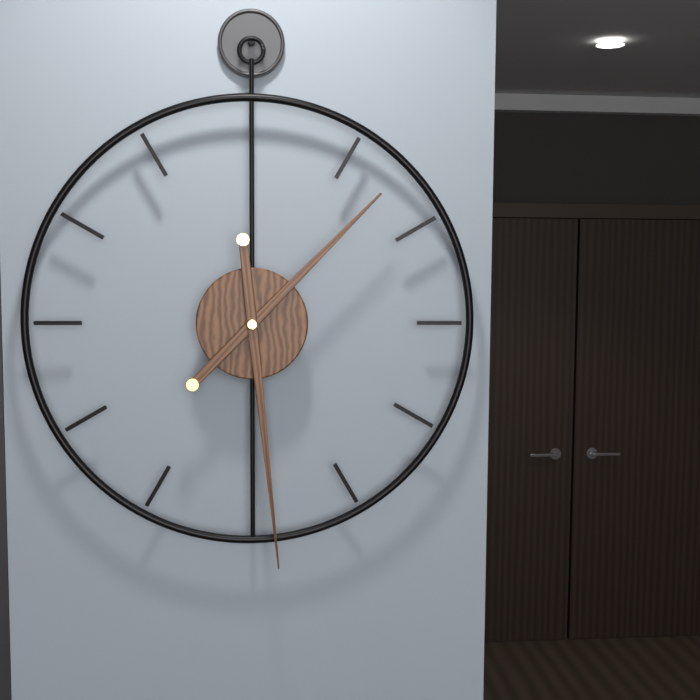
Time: **1:29**
